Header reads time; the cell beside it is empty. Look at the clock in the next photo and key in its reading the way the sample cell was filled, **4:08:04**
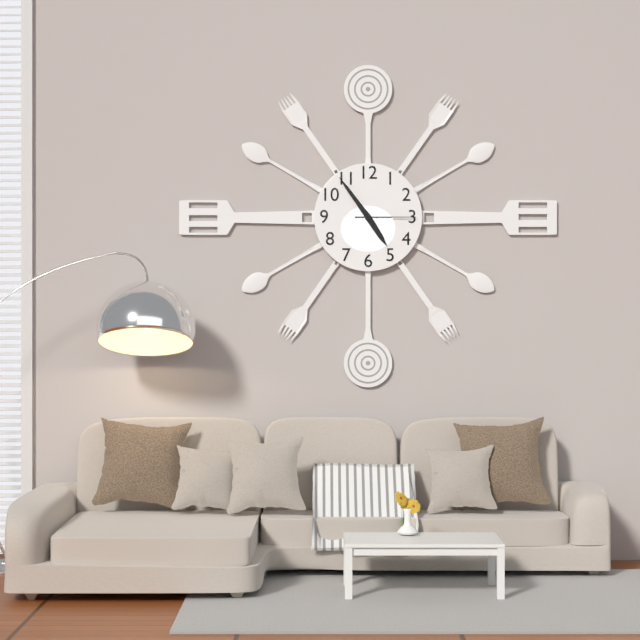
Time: **4:54:15**
